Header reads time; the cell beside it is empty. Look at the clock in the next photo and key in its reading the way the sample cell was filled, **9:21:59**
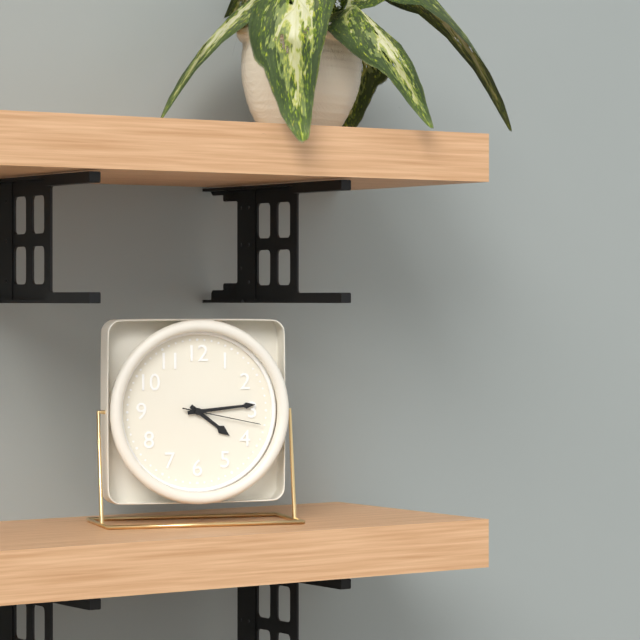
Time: **4:14:17**
